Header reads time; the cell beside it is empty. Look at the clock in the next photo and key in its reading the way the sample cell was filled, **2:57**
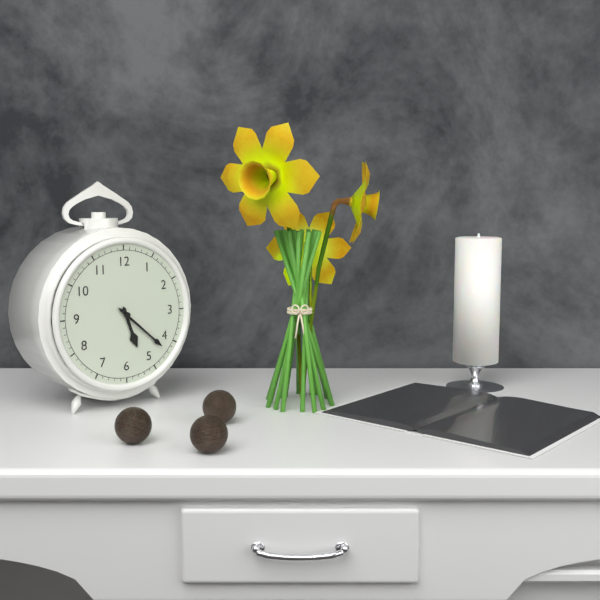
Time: **5:22**
